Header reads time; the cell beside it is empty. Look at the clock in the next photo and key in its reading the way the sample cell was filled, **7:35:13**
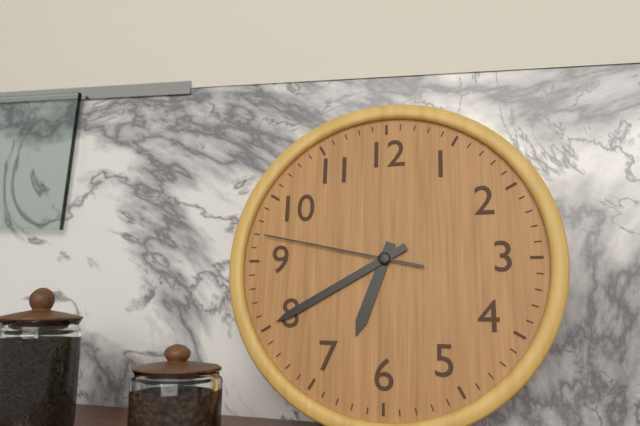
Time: **6:40:47**
